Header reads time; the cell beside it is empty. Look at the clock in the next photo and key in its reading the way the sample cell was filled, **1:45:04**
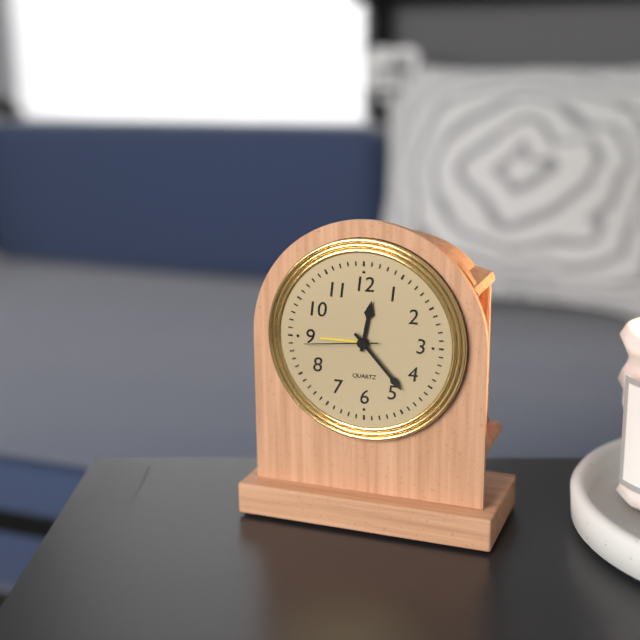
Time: **12:23:44**
